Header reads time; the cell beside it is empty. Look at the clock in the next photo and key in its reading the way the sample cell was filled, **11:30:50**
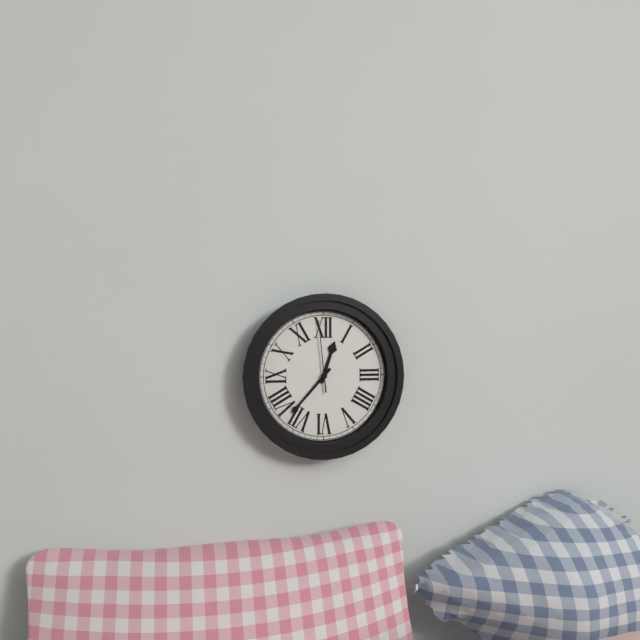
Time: **12:37:59**
